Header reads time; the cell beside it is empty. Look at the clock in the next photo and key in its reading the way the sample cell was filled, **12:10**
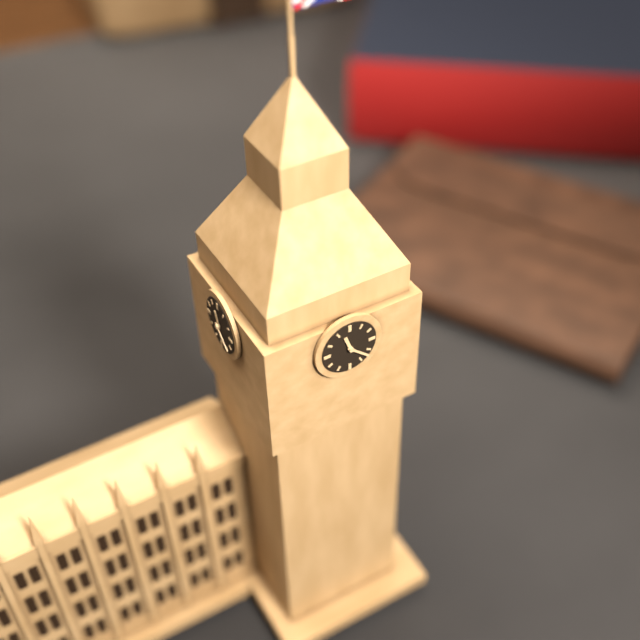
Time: **11:22**
